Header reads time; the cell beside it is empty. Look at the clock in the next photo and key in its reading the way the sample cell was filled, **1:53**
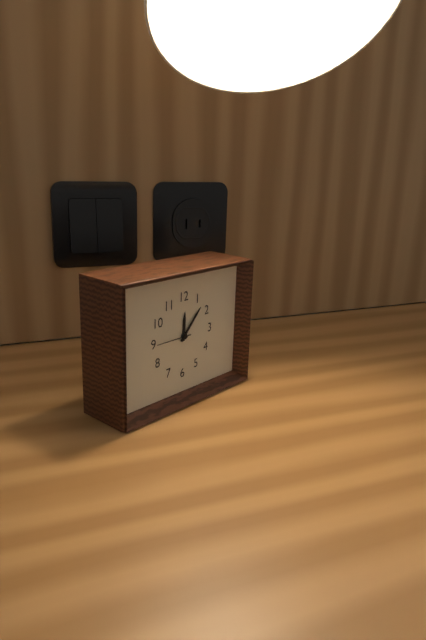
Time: **12:07**
